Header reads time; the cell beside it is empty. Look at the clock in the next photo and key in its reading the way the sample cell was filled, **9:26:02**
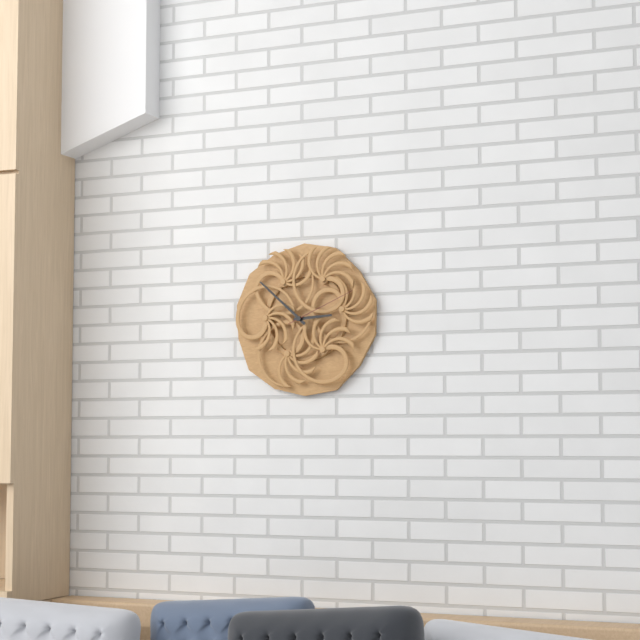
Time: **2:52:11**
